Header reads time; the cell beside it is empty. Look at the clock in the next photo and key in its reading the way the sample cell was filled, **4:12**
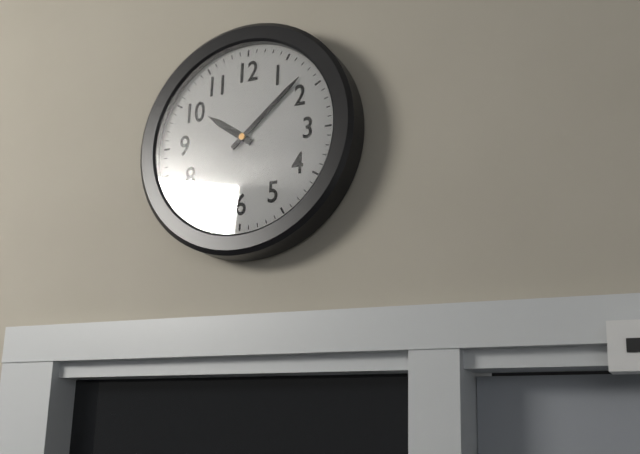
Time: **10:08**
